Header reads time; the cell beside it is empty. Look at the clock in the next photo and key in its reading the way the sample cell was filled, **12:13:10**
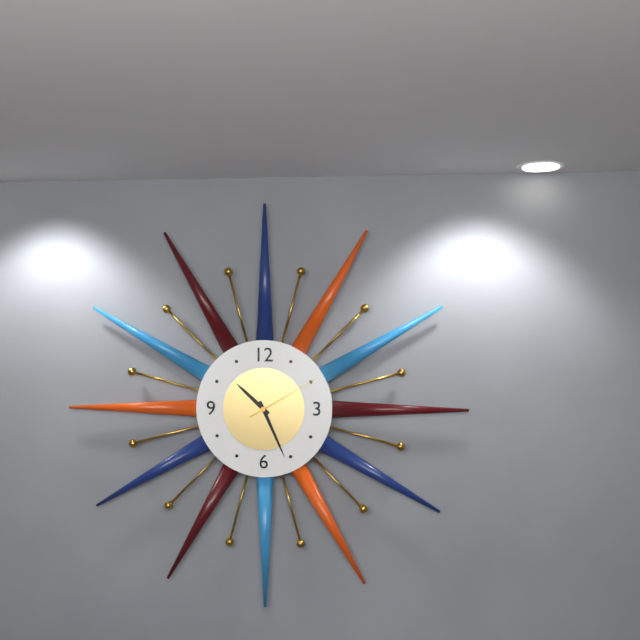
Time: **10:26:10**
